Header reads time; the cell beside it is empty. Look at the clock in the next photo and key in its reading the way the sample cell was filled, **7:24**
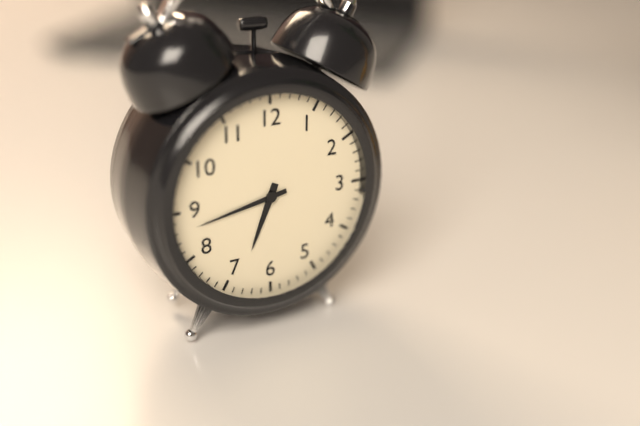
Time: **6:43**
